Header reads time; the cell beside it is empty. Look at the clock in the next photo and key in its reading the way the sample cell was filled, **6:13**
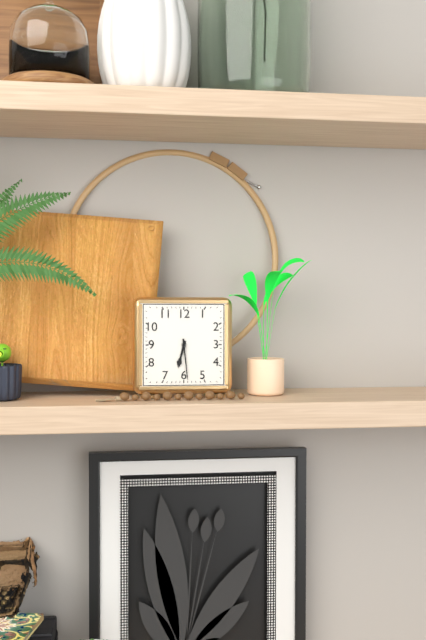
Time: **6:29**
